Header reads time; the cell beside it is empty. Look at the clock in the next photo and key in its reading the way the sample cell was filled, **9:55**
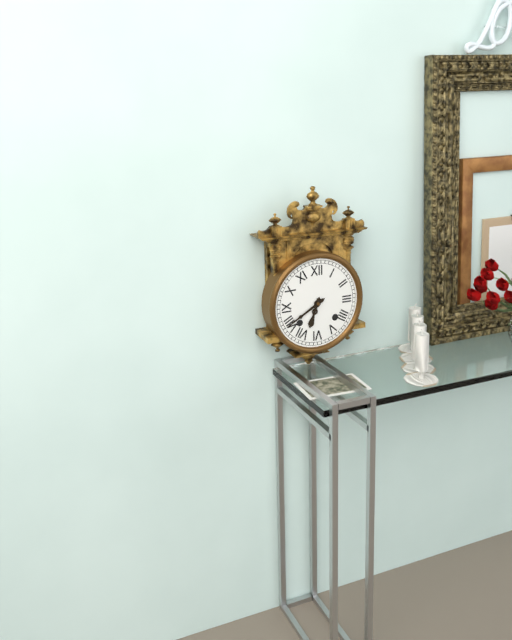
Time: **6:40**
